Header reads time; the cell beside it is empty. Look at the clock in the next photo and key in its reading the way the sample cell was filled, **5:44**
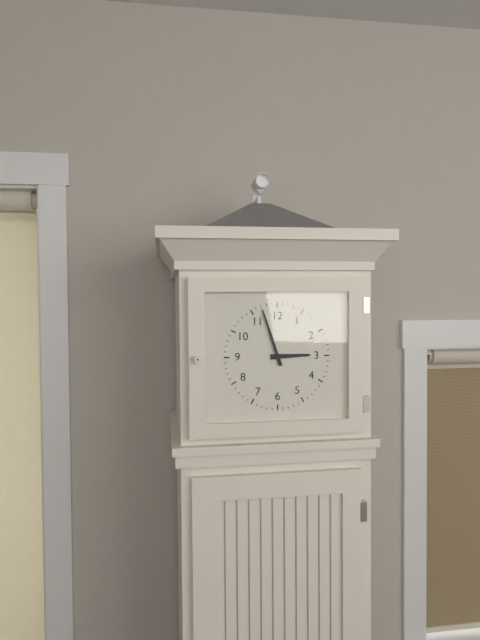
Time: **2:57**
